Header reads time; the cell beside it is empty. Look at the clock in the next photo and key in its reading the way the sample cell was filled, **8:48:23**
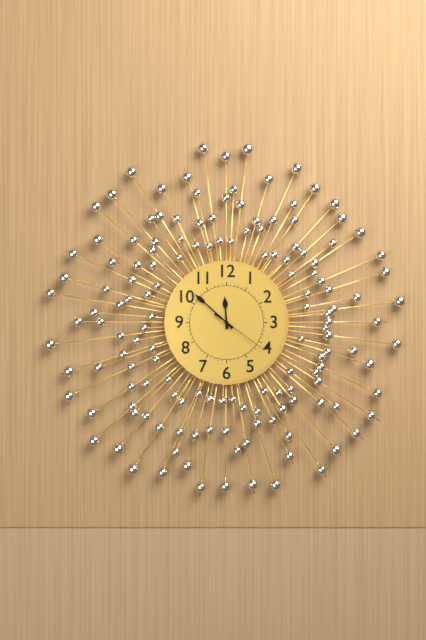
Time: **11:52:21**
